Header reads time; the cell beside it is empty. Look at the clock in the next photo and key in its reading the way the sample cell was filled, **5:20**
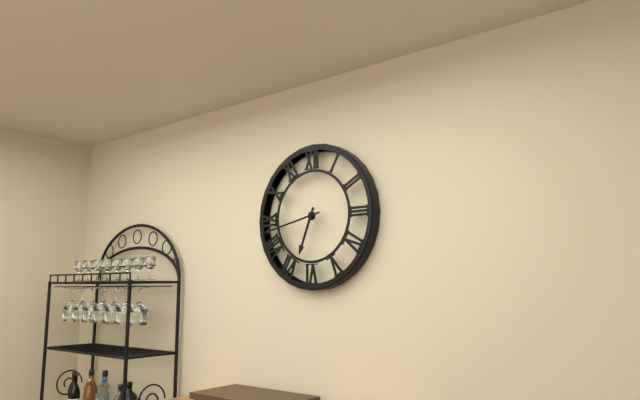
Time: **6:43**
